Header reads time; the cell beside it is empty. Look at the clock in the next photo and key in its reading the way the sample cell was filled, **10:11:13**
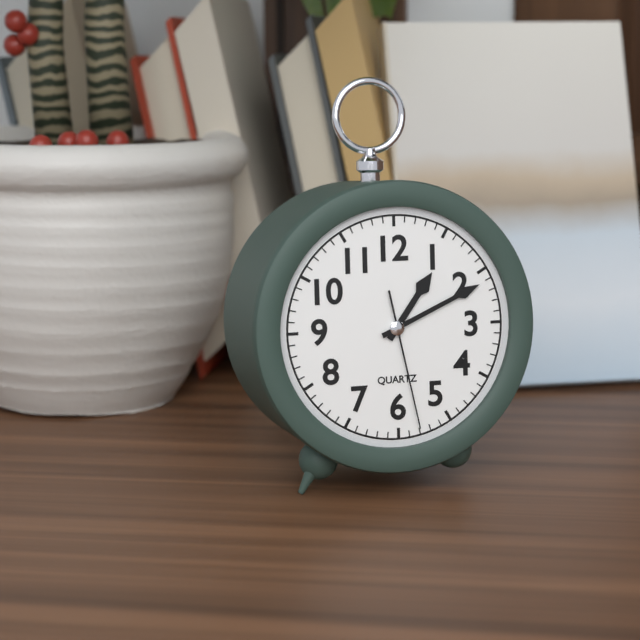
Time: **1:11:28**
